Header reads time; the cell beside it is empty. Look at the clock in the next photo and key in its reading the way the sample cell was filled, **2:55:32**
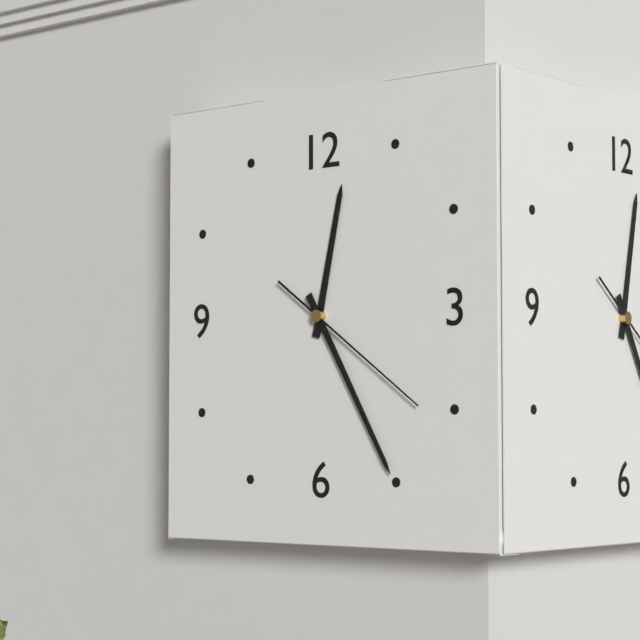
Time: **12:25:21**
